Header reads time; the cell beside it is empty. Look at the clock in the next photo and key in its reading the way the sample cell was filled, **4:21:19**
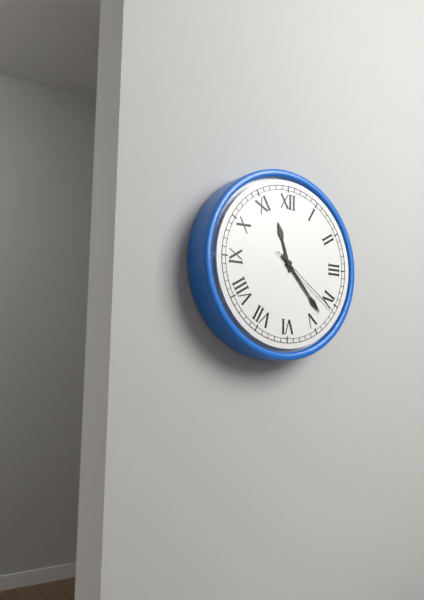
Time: **11:23:21**
